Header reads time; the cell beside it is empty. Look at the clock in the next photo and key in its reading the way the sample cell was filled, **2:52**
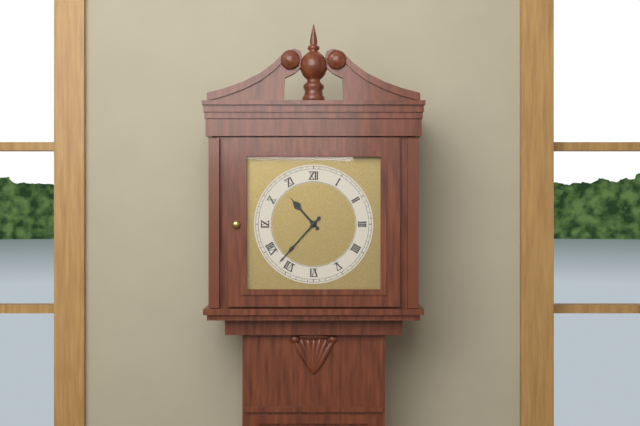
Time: **10:37**
